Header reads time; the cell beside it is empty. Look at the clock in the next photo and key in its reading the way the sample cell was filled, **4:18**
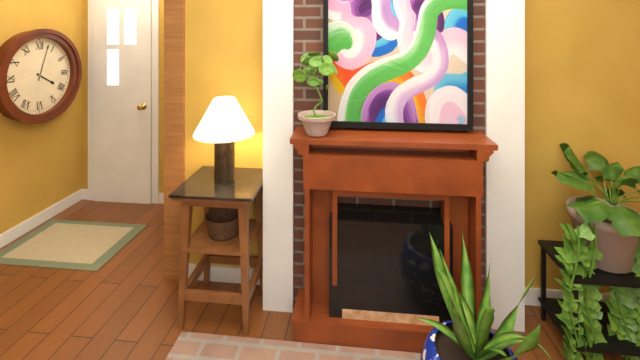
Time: **4:03**
